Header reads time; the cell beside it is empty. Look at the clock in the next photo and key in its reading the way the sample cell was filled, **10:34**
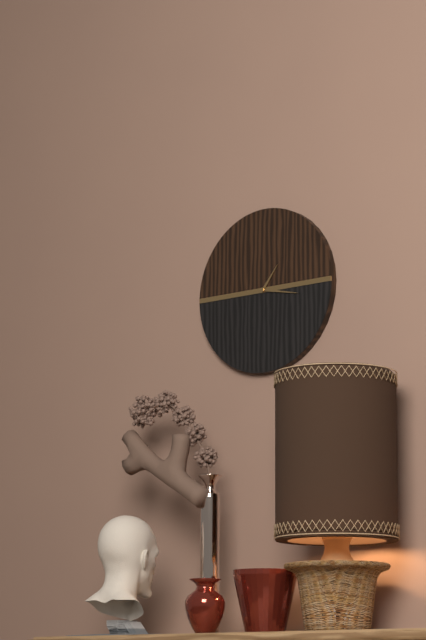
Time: **1:17**
